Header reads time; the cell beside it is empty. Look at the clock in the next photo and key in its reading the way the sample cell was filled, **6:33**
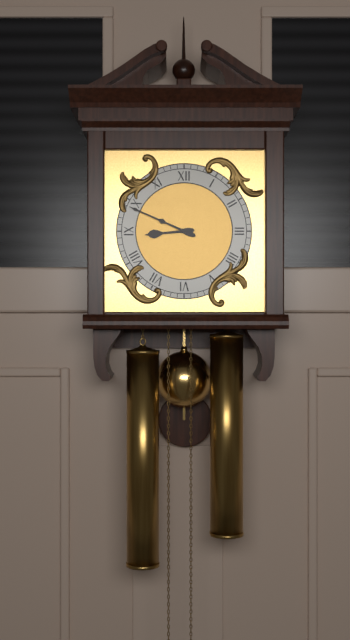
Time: **8:49**
